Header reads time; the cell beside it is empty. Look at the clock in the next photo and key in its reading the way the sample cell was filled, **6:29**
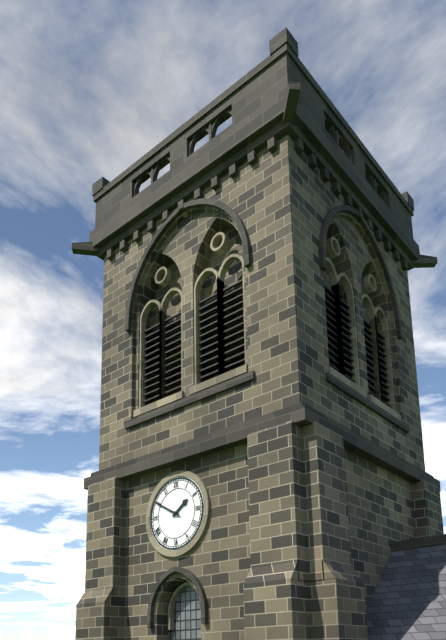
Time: **1:50**
